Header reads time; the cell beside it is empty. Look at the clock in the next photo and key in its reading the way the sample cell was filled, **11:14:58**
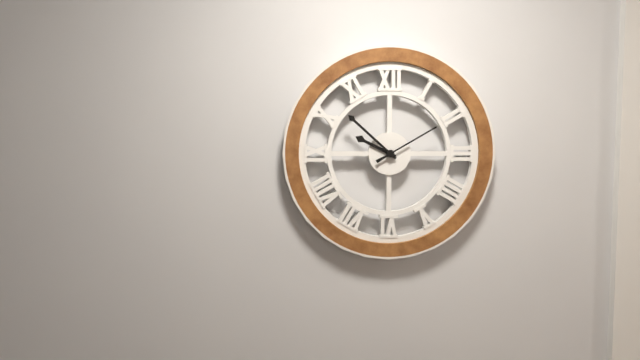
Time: **9:52:10**
